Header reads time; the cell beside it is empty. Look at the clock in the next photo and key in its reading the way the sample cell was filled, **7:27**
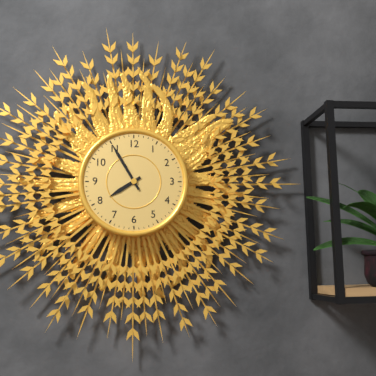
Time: **7:55**
